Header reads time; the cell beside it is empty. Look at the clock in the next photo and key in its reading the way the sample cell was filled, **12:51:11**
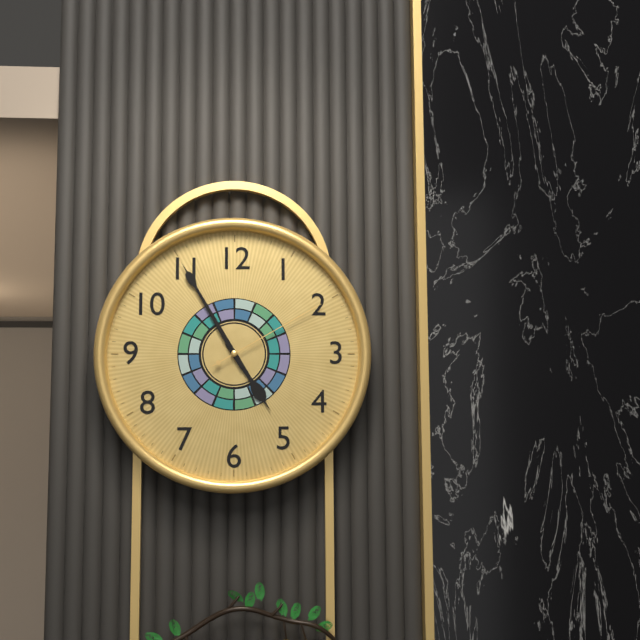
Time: **4:55:10**
